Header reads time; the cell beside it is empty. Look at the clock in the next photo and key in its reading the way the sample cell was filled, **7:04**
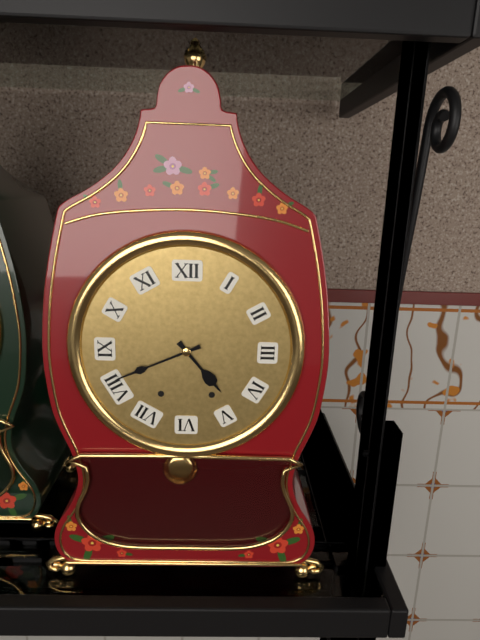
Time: **4:41**
